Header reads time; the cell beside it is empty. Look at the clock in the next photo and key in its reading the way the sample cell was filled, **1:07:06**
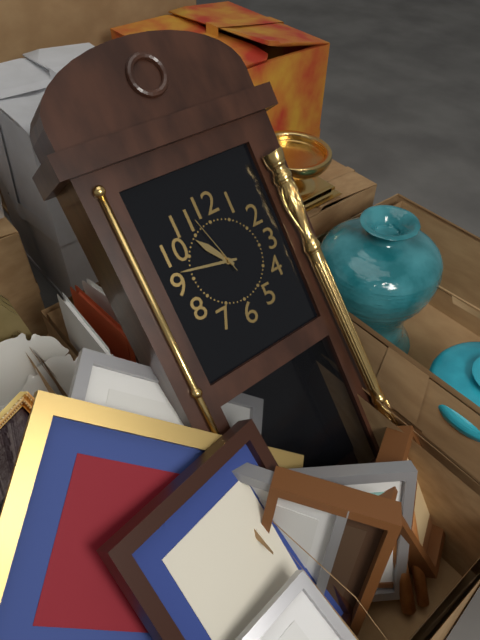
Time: **10:47:57**
